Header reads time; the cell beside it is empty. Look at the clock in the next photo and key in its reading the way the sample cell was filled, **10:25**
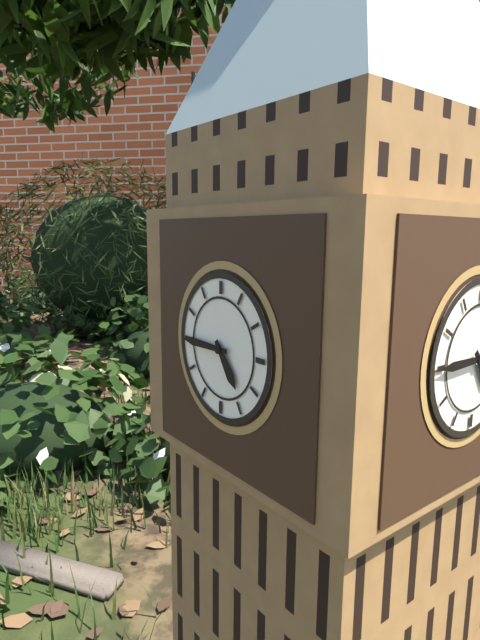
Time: **4:45**
